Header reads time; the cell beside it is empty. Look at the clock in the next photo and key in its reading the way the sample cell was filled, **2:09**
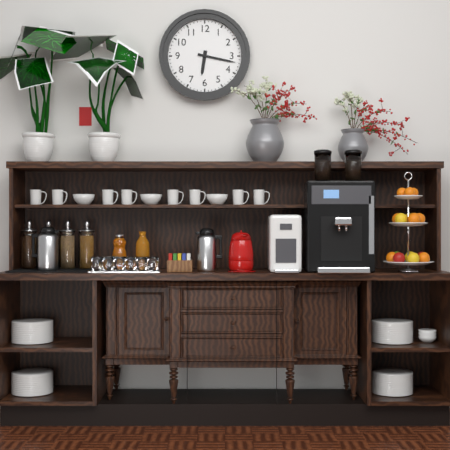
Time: **6:17**
